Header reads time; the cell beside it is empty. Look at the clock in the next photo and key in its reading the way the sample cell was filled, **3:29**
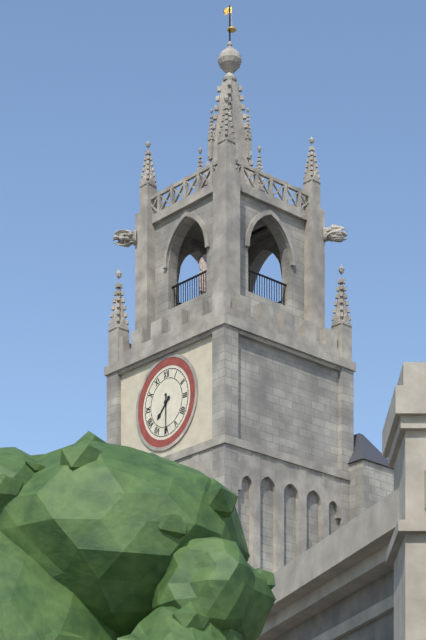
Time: **7:30**
